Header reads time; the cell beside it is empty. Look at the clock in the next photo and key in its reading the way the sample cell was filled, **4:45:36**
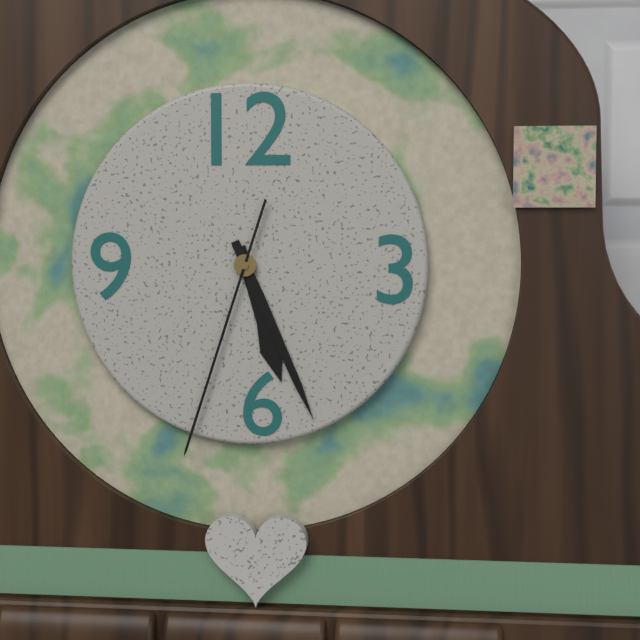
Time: **5:26:33**
